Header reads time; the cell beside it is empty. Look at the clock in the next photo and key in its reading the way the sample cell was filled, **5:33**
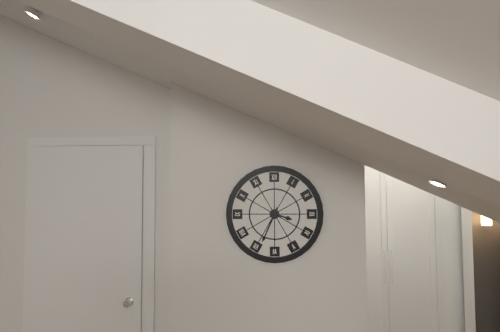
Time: **3:34**
